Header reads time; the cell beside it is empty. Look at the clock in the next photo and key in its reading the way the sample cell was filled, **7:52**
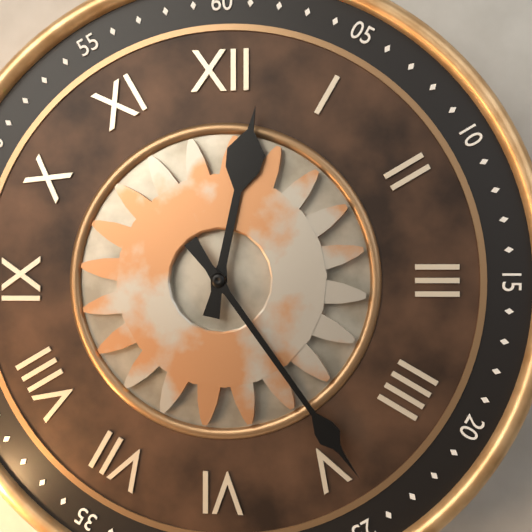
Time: **12:24**
